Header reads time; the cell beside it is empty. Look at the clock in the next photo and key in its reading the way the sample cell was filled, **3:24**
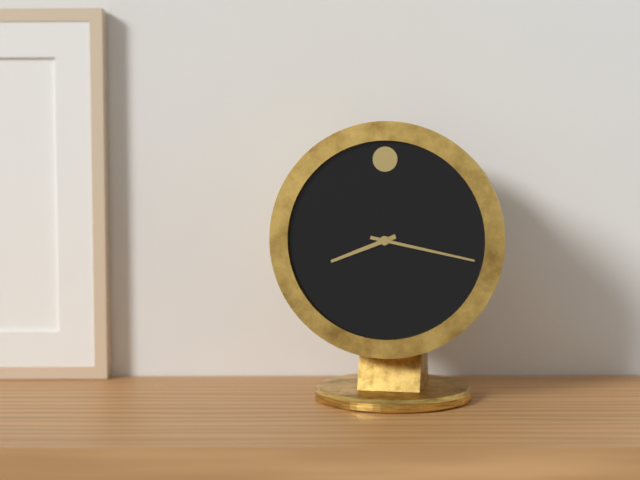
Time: **8:17**
